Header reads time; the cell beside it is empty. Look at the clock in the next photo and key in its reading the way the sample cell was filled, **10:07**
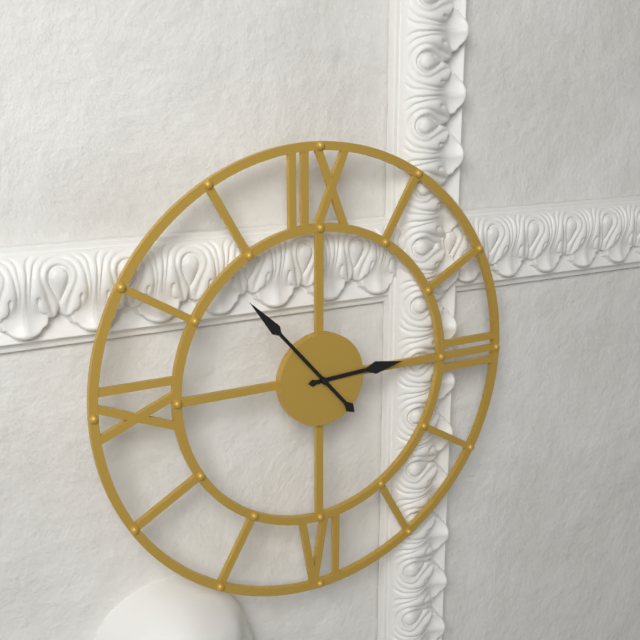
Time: **2:53**
